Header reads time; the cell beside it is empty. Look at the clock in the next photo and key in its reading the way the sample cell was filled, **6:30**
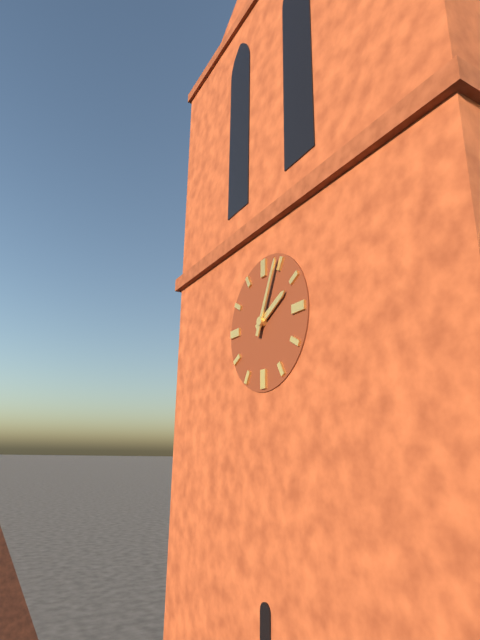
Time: **2:04**
